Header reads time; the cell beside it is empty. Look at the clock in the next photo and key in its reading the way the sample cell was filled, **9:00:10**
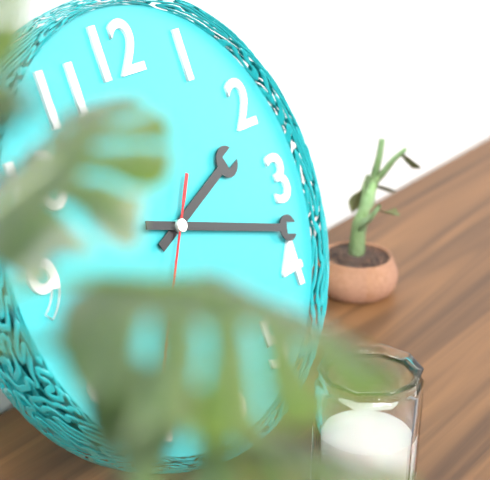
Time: **2:18:36**
